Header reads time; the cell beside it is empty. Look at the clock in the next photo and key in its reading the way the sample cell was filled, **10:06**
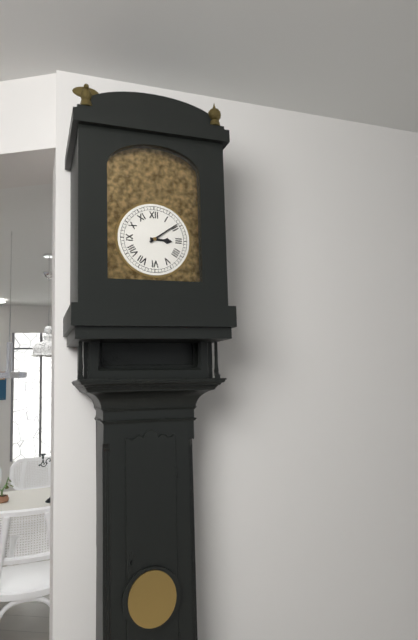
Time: **3:09**
